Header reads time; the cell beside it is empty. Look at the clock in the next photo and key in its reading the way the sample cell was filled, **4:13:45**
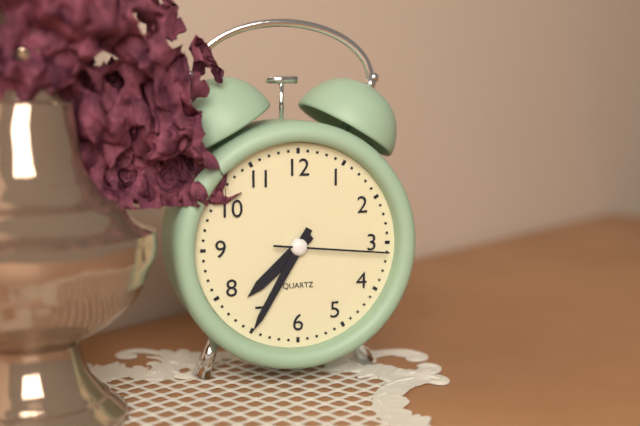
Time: **7:35:16**
